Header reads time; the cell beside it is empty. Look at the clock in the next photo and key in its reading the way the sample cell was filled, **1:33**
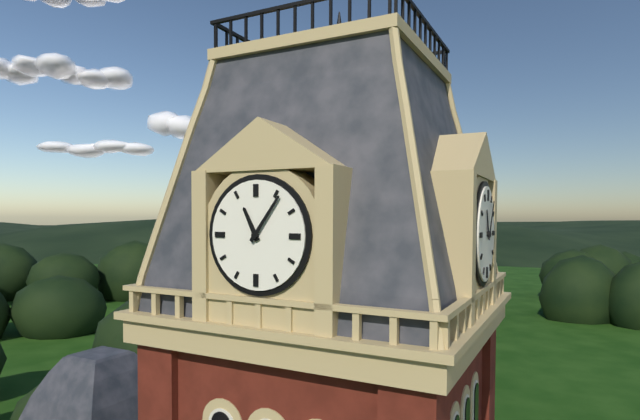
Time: **11:06**
